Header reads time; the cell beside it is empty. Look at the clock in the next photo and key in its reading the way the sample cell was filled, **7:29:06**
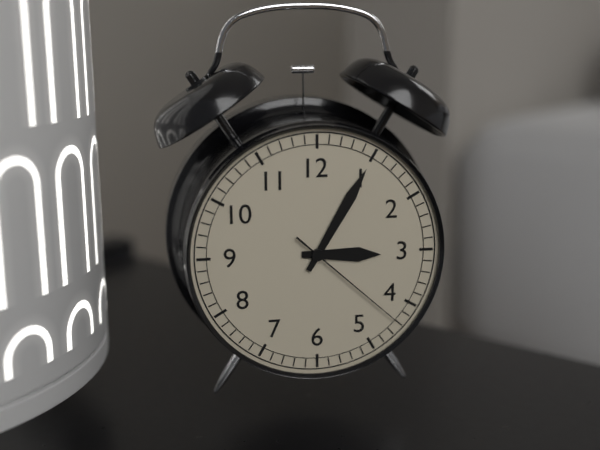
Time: **3:05:22**
